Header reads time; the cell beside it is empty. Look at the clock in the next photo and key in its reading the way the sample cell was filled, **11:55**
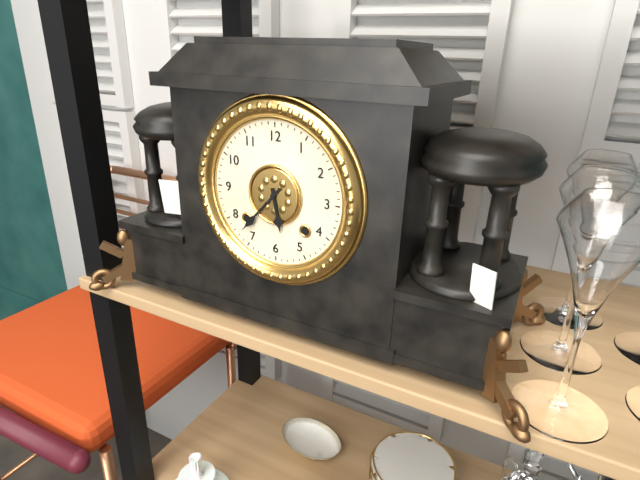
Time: **5:37**
